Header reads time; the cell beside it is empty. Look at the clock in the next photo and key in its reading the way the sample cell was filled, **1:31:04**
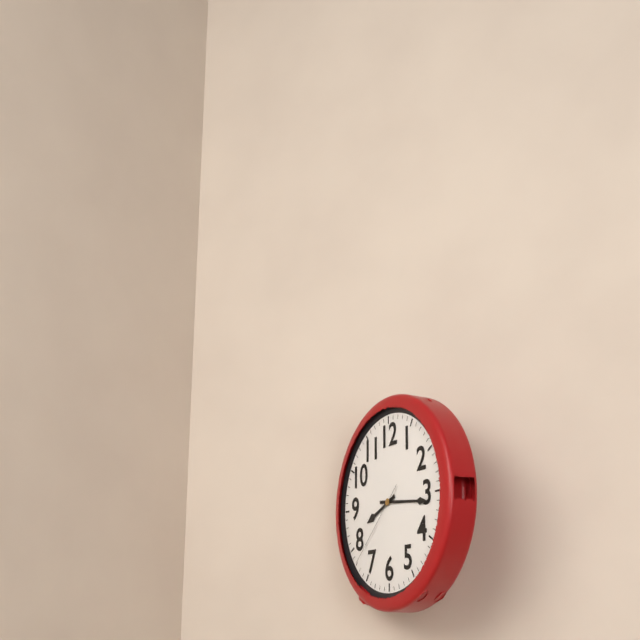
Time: **8:16:38**
